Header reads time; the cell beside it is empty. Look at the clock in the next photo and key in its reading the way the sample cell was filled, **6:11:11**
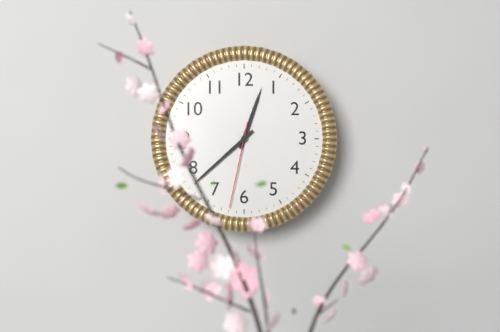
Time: **12:38:32**
